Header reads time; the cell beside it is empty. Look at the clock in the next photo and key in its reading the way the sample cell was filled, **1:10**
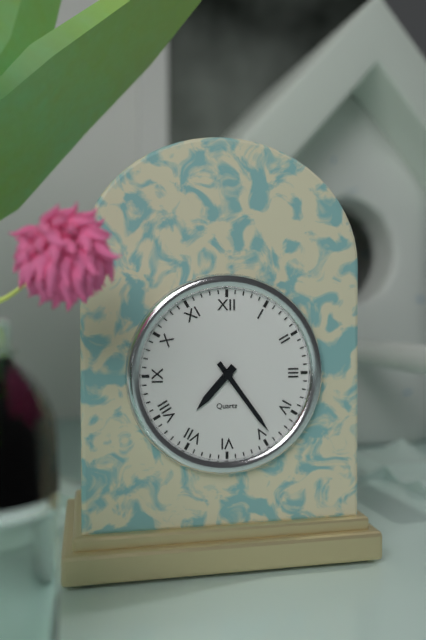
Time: **7:24**
